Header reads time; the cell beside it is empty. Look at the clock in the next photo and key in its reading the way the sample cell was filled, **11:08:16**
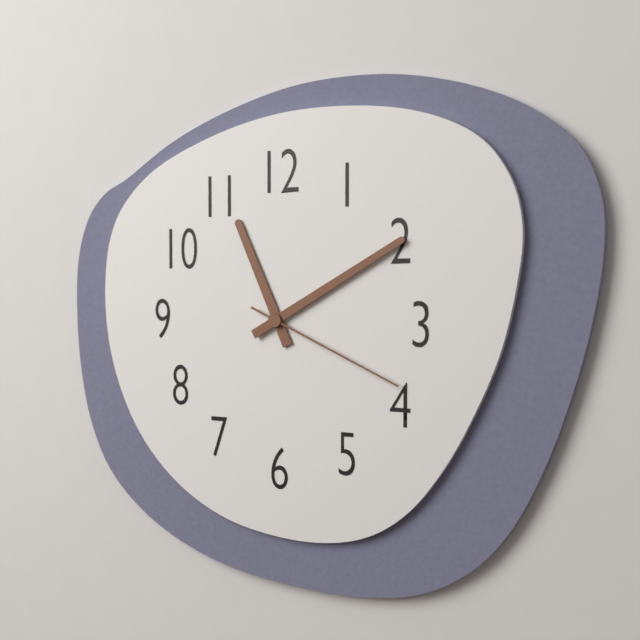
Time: **11:10:19**
